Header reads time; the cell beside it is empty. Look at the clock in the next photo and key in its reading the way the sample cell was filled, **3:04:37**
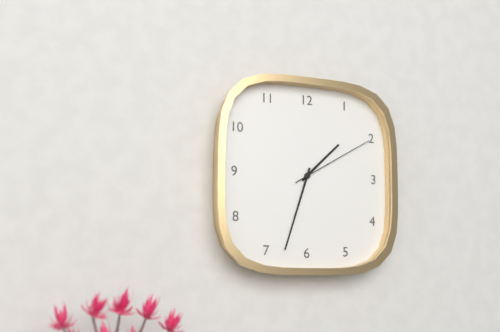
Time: **1:33:10**
